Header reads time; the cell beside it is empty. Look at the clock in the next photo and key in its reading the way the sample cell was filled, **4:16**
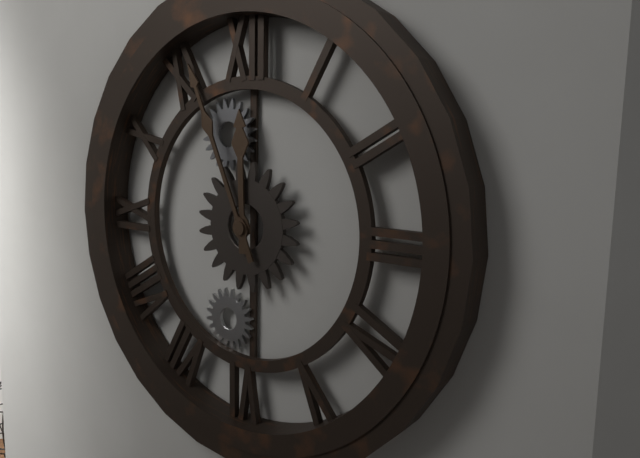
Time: **11:56**
